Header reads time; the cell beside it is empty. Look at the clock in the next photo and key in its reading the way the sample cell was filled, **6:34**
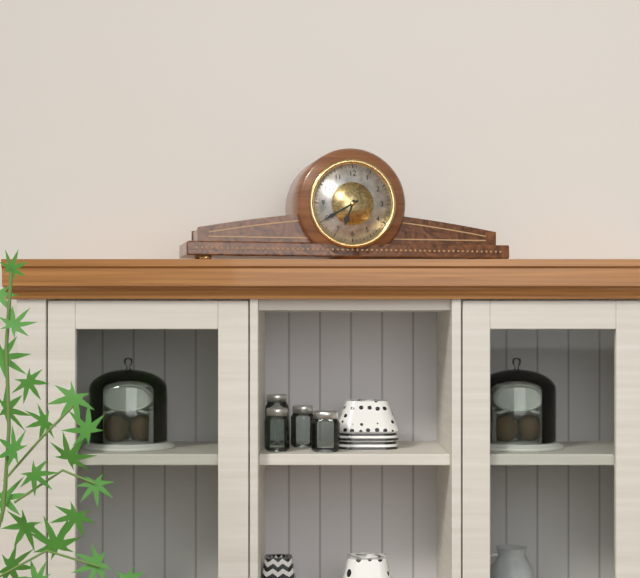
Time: **6:40**
